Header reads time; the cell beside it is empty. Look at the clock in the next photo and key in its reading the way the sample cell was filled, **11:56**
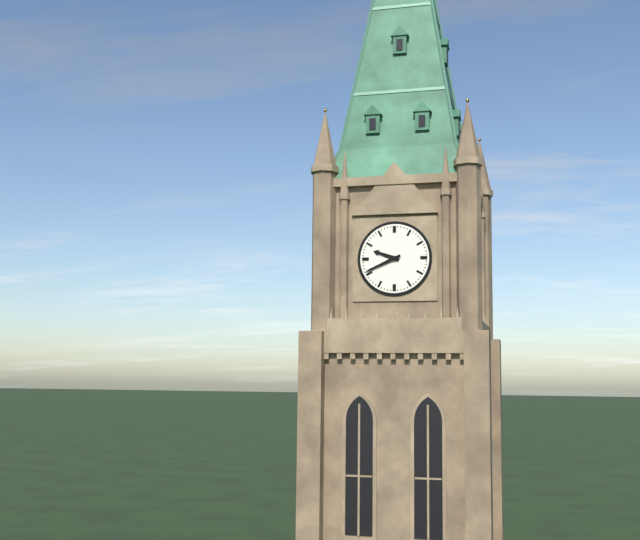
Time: **9:41**
